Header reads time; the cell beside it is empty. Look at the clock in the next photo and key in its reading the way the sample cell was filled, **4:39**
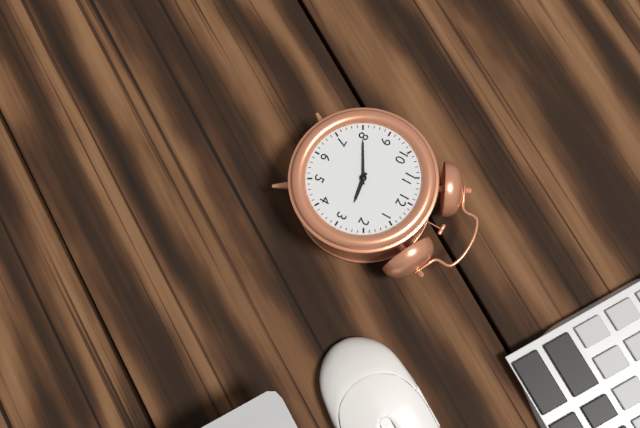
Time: **2:40**
